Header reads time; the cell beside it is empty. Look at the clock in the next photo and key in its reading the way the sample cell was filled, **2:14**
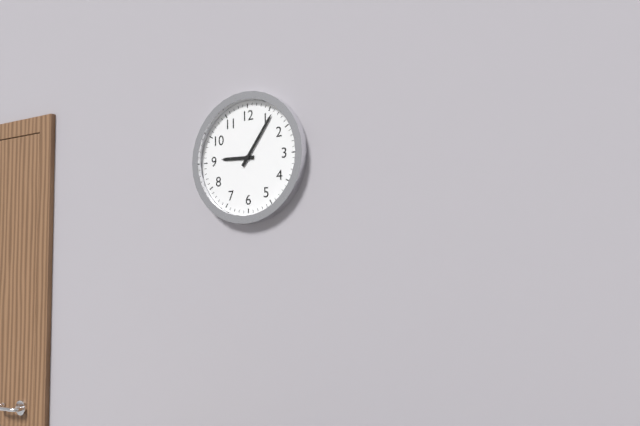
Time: **9:06**
